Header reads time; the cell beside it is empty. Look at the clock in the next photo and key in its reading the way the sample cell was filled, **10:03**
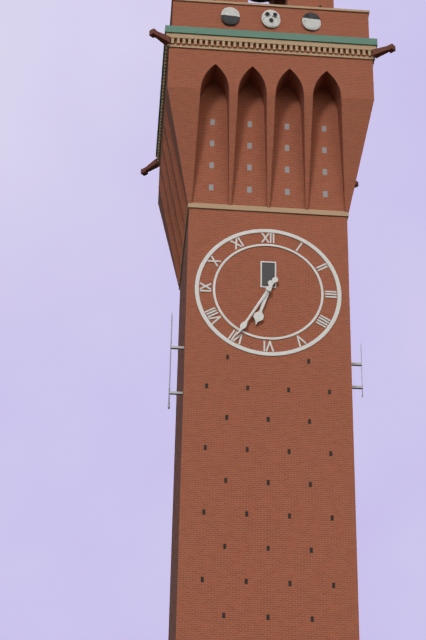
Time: **6:35**
